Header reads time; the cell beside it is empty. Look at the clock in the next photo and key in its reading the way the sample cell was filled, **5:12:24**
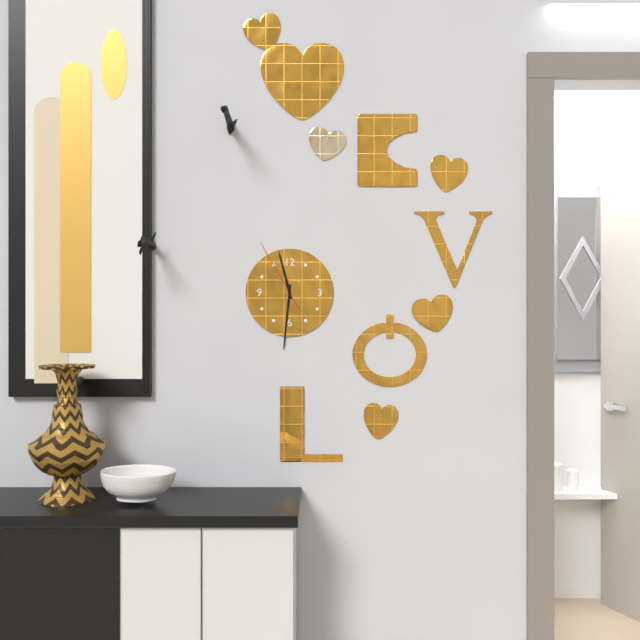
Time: **11:31:55**
